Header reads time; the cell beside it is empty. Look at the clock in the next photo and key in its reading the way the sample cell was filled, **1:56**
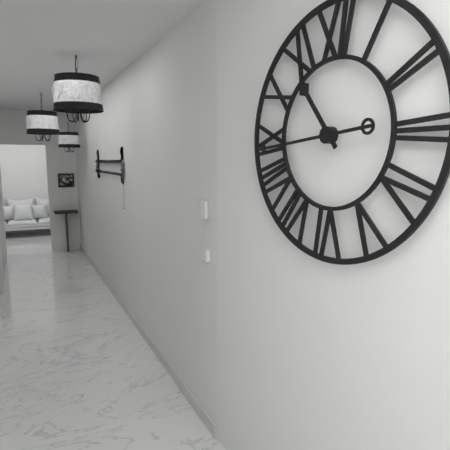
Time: **10:44**
